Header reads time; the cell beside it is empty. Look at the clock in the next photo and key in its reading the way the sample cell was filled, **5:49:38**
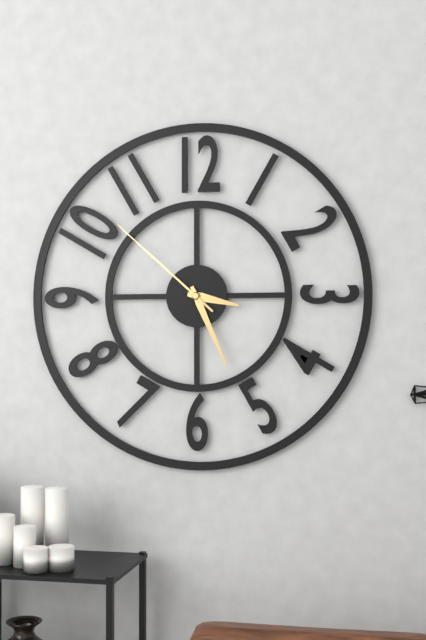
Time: **3:26:52**
